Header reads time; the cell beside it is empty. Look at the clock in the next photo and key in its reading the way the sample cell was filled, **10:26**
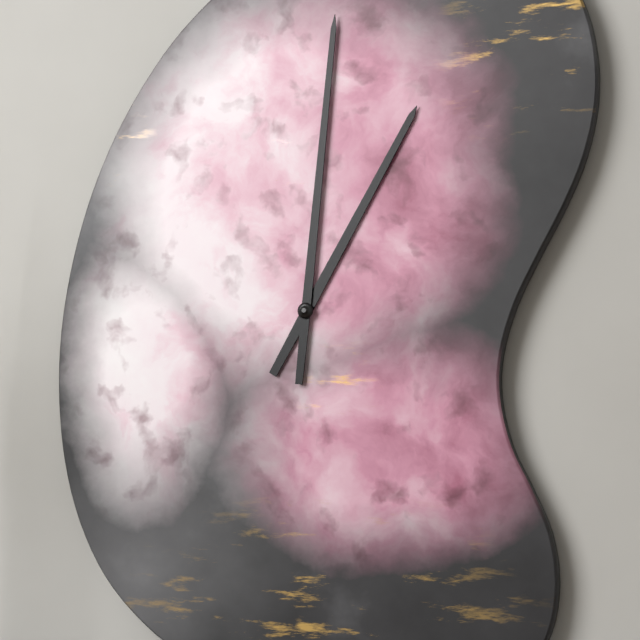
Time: **1:01**
